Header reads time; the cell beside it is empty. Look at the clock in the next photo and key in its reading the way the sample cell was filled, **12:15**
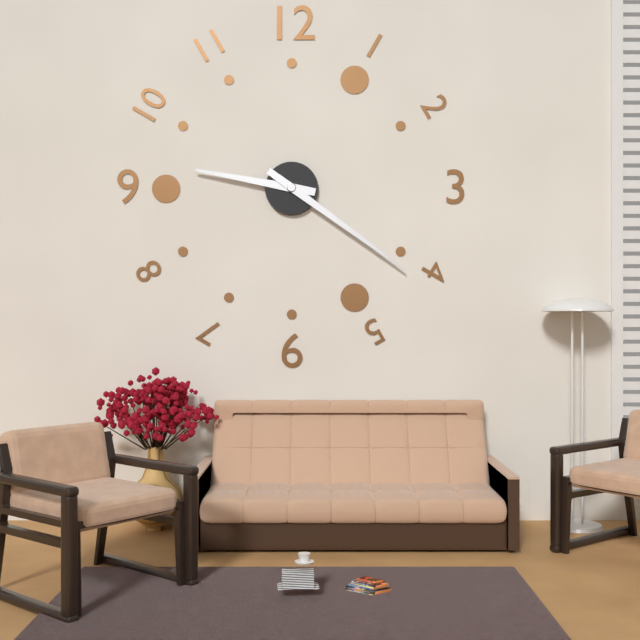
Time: **9:21**
